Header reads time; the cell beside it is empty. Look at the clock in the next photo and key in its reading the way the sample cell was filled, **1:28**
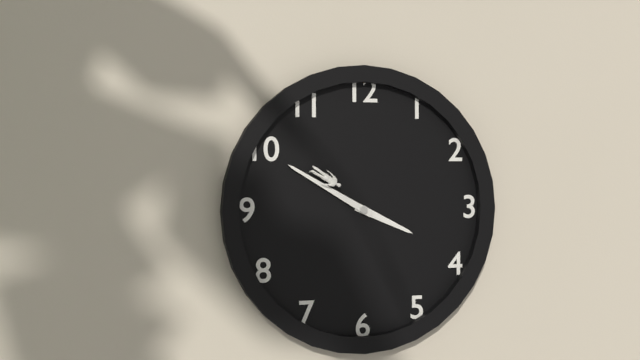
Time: **3:50**
